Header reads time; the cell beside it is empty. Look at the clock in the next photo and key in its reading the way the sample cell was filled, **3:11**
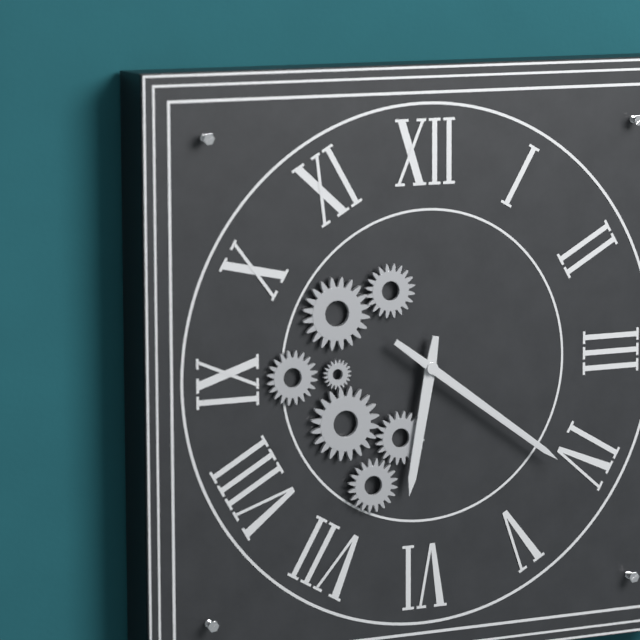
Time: **6:21**
